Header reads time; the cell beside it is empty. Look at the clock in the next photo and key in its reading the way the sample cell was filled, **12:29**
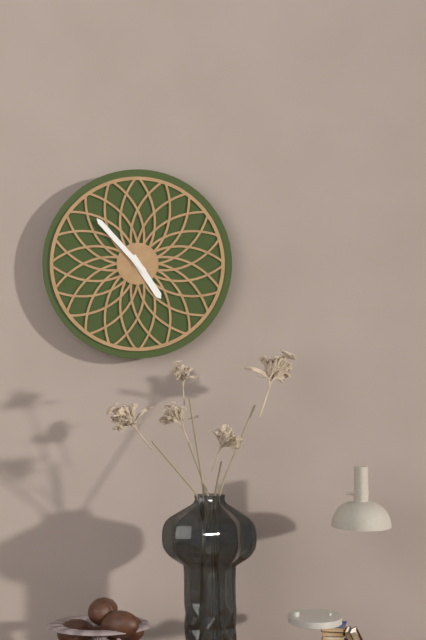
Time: **4:53**
